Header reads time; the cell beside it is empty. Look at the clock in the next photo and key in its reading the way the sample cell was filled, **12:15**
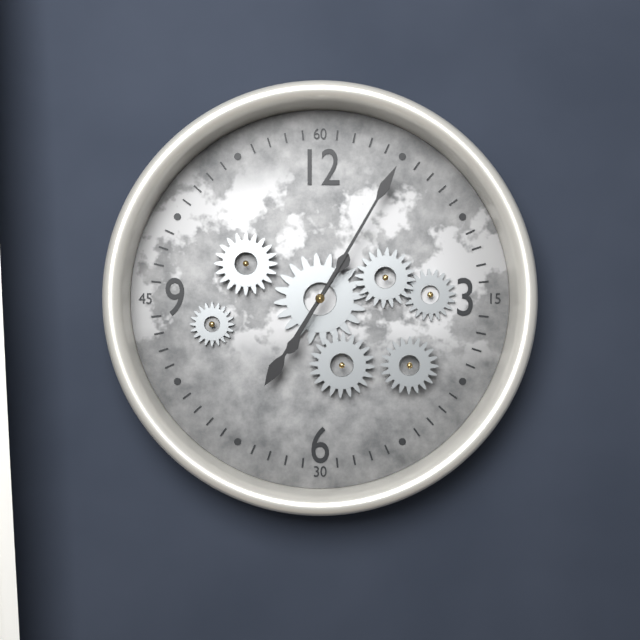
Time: **7:05**
